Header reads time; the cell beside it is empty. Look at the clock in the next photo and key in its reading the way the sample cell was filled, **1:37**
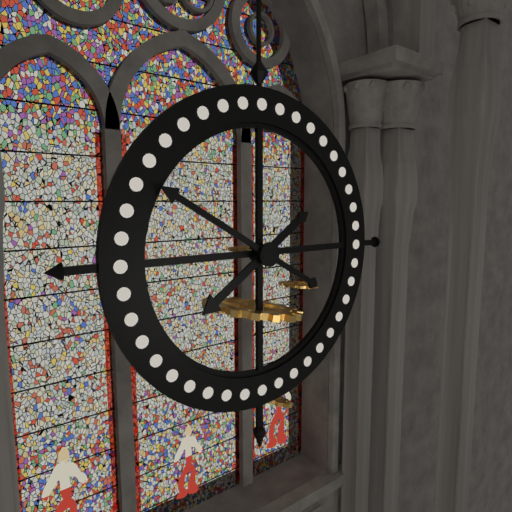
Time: **7:50**
